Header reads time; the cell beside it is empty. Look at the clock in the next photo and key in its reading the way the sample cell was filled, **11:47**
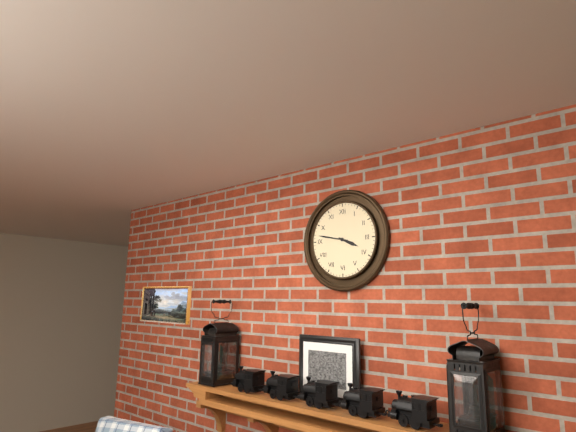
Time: **3:47**
